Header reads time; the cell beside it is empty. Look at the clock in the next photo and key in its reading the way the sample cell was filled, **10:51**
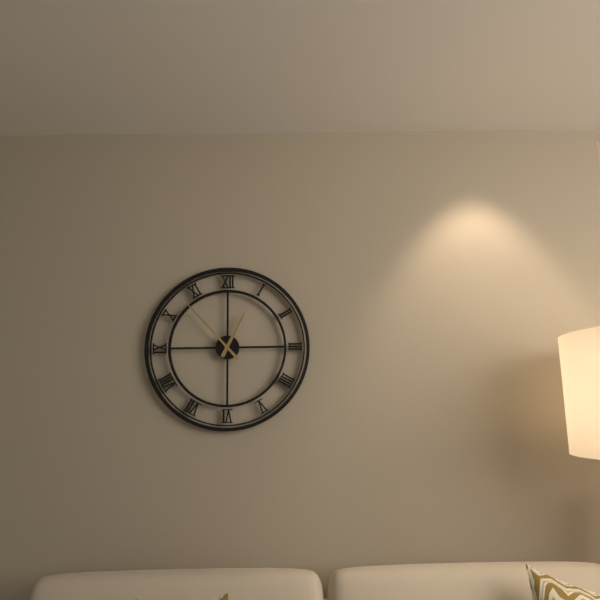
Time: **12:53**
